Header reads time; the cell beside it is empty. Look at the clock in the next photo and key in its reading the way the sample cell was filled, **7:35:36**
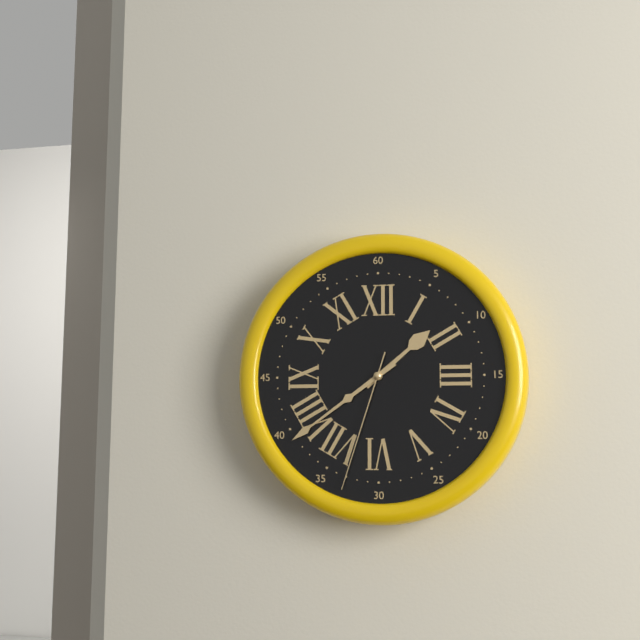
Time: **1:39:33**
